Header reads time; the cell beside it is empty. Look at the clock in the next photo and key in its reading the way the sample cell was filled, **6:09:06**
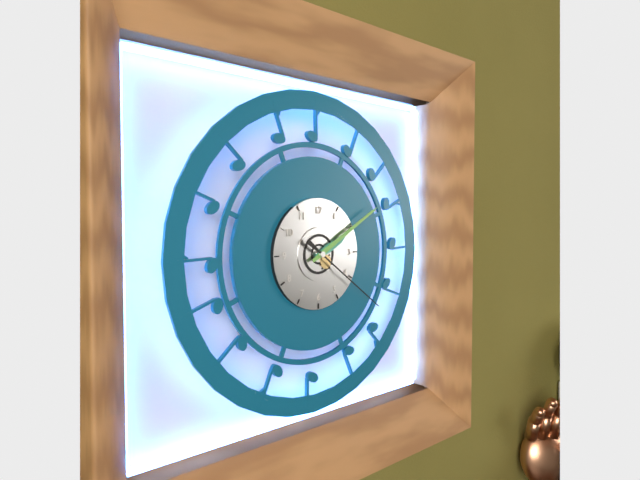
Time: **2:10:21**
